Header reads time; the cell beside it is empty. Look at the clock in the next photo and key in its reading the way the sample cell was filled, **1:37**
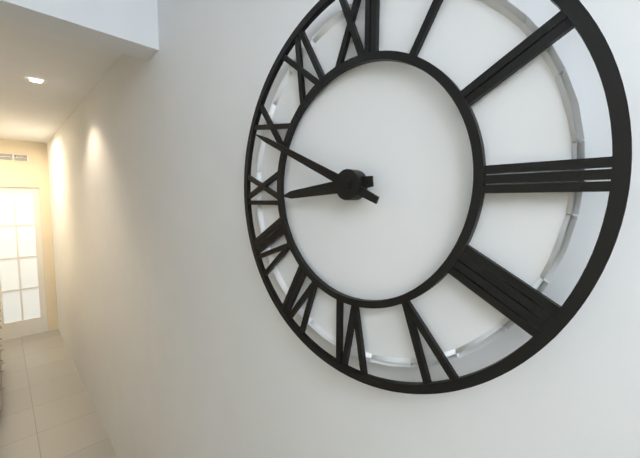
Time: **8:49**
